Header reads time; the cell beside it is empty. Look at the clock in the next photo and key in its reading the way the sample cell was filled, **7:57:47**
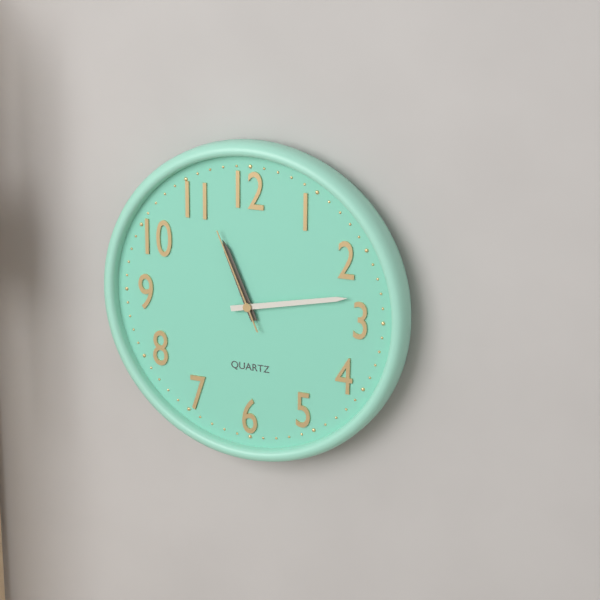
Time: **11:13:56**
